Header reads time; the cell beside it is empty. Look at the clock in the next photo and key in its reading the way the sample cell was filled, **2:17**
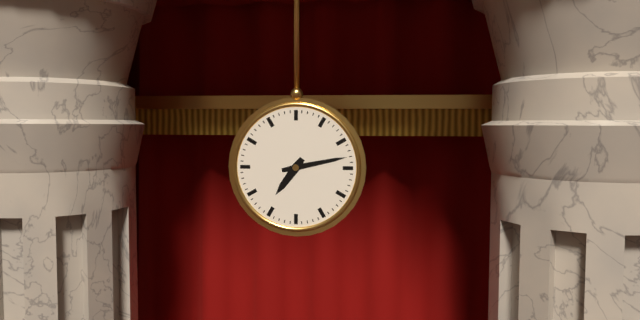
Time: **7:13**
